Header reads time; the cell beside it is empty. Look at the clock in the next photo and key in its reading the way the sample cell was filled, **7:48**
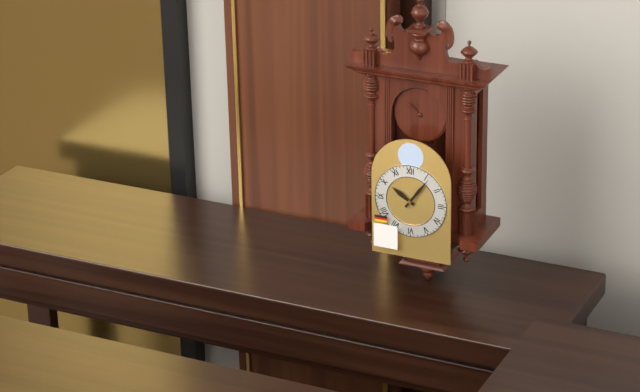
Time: **10:06**
